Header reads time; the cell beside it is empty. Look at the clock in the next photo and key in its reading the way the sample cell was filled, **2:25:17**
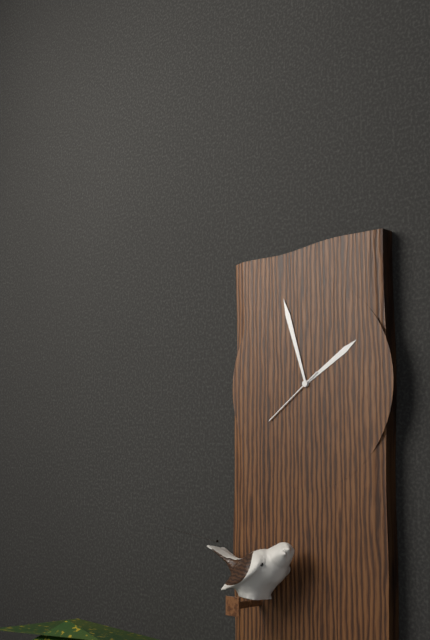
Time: **1:57:39**
